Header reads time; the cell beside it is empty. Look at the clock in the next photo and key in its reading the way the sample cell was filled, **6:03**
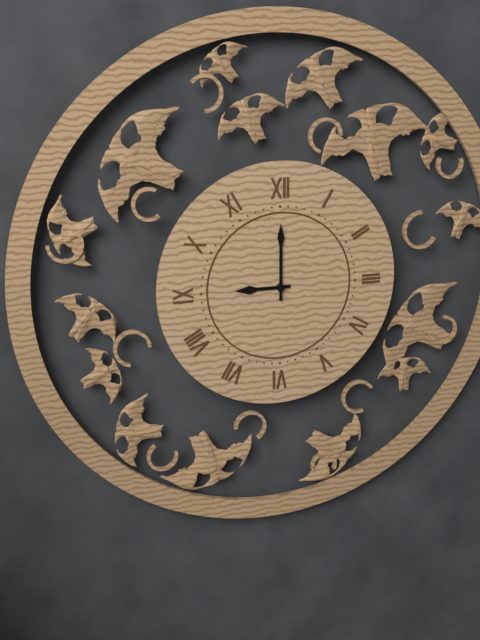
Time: **9:00**
